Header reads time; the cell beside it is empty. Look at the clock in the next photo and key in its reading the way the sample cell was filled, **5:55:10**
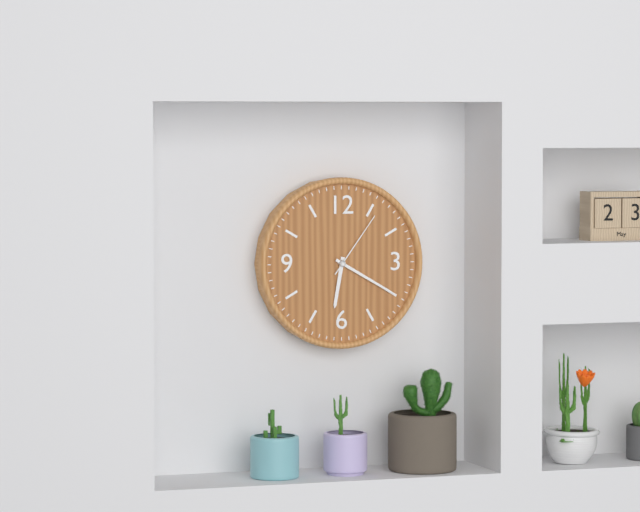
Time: **6:20:06**
